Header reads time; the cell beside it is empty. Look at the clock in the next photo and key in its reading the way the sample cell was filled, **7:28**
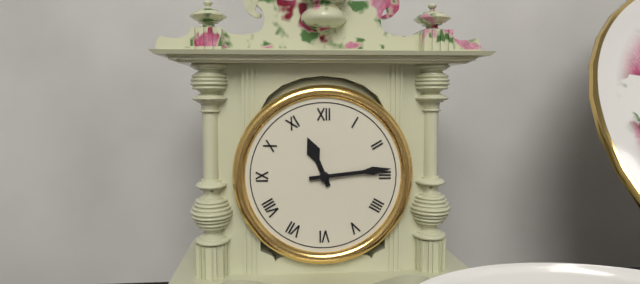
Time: **11:14**
